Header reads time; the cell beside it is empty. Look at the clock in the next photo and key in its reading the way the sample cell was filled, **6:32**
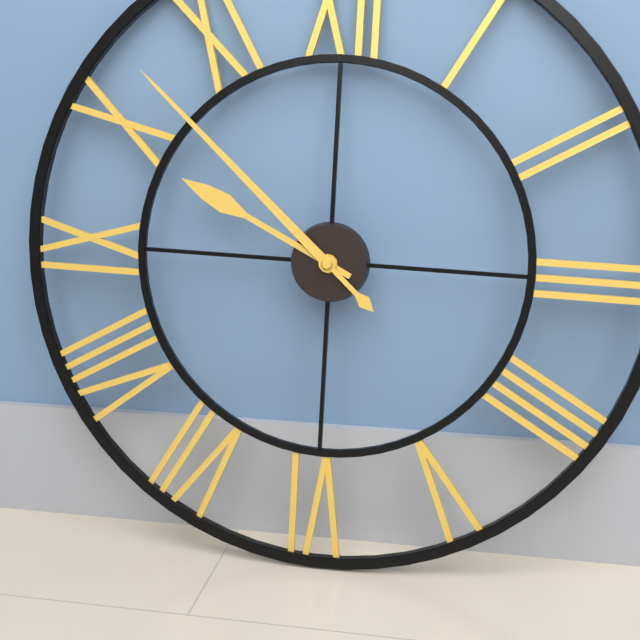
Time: **9:52**
